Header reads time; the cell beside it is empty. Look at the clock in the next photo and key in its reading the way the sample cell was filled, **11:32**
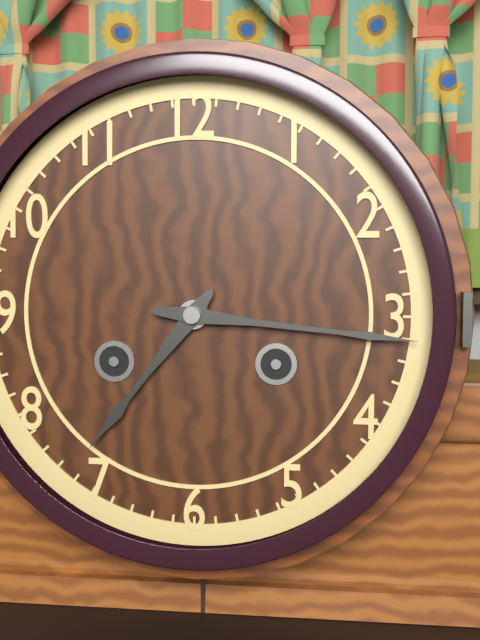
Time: **7:16**
